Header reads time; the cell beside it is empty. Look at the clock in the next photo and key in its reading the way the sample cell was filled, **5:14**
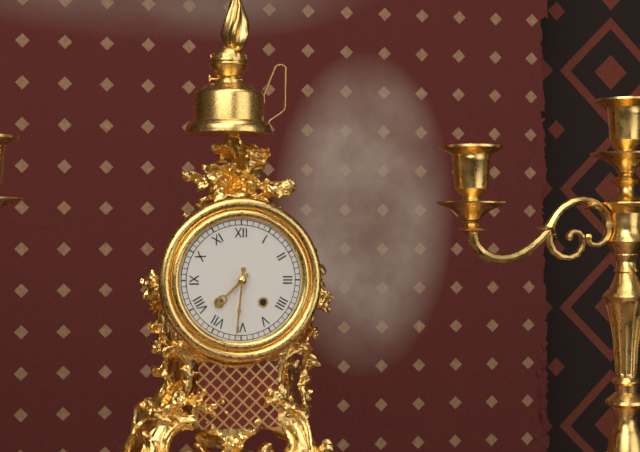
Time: **7:31**
